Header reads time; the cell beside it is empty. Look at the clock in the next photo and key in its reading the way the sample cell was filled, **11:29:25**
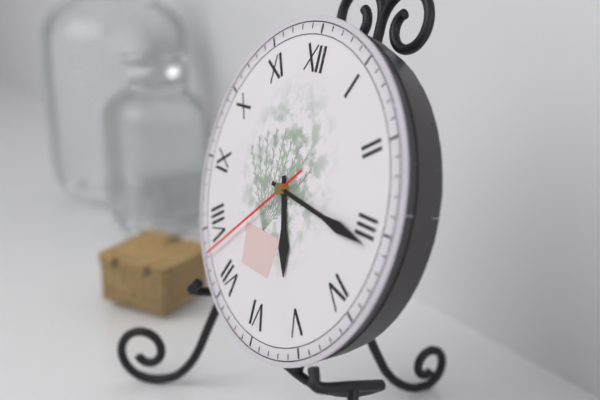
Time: **5:16:38**
